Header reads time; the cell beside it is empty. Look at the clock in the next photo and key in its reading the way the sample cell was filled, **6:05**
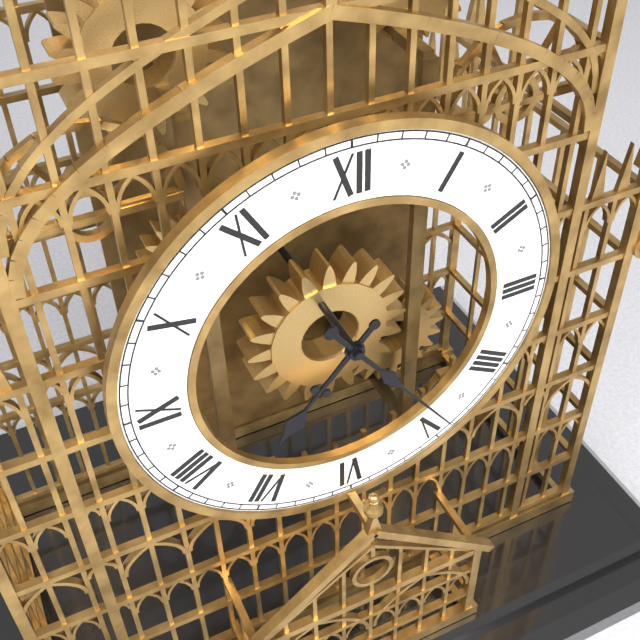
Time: **7:24**
